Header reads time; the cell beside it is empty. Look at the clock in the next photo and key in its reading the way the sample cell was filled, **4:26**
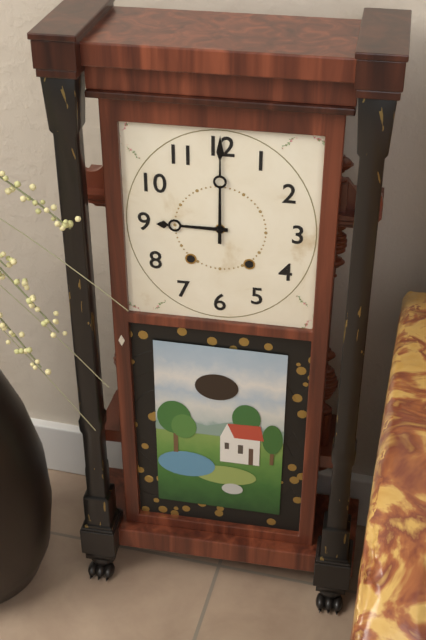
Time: **9:00**
